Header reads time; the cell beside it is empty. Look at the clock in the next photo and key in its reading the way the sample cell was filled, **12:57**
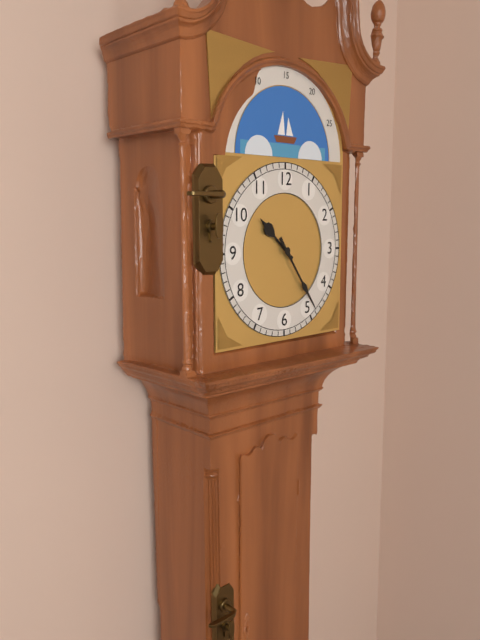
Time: **10:24**
